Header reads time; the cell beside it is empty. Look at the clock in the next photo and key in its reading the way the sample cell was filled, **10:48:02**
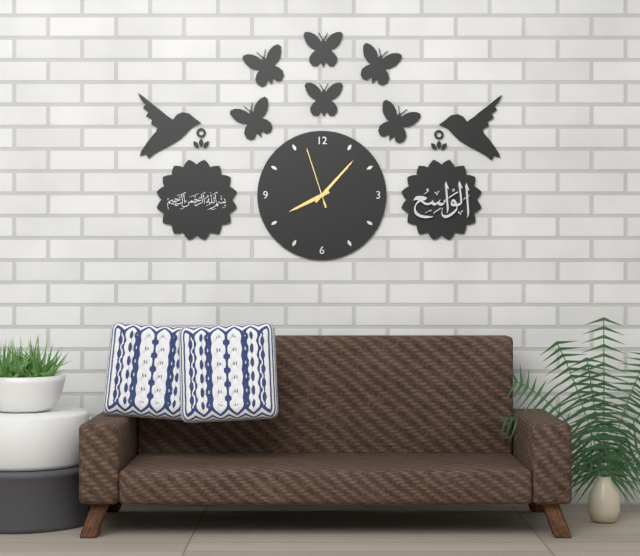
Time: **8:07:57**
